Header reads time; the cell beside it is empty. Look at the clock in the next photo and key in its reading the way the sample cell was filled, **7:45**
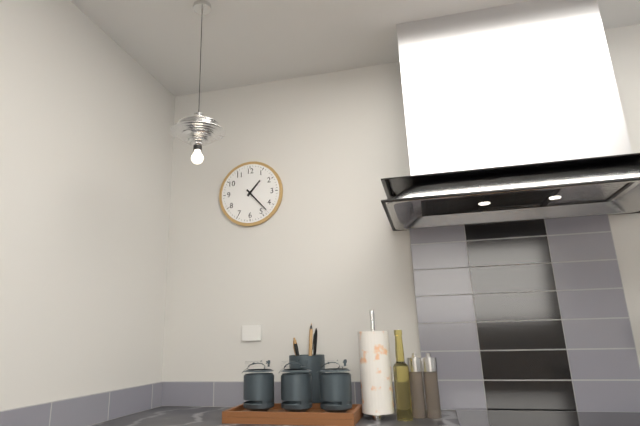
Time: **1:23**
